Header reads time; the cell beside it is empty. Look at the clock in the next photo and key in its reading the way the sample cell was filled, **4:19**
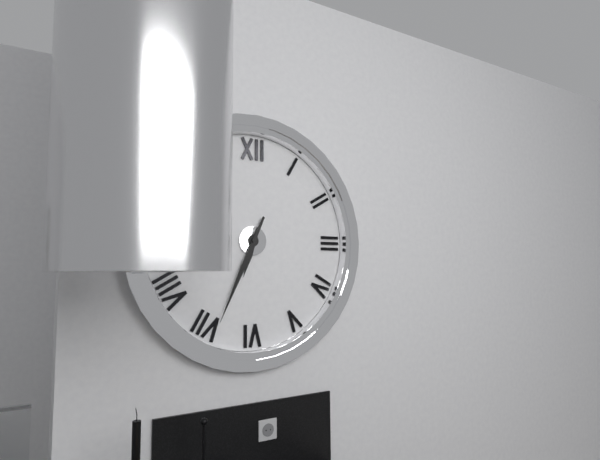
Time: **6:34**
